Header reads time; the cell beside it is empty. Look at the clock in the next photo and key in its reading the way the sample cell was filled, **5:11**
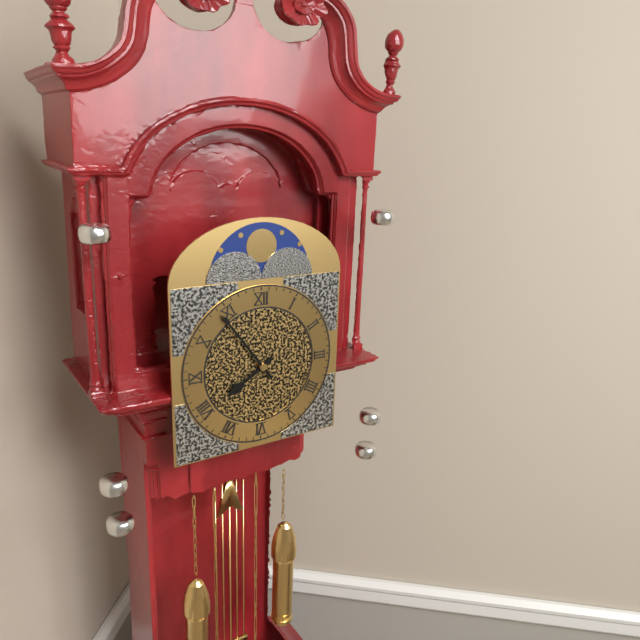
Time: **7:54**
